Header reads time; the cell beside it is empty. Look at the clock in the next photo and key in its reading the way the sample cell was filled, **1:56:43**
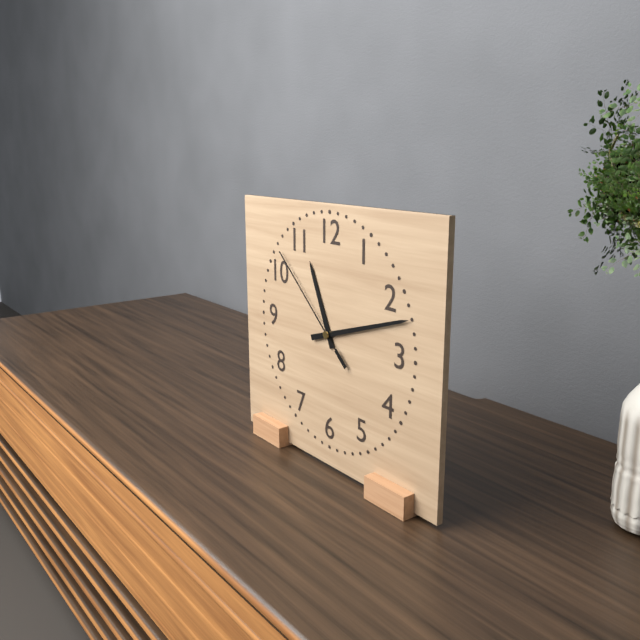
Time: **11:12:52**
